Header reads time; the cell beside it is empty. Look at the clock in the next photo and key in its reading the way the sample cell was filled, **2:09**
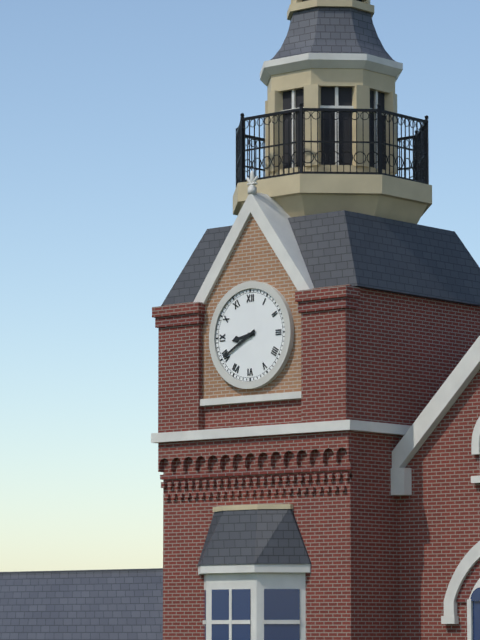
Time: **8:40**
